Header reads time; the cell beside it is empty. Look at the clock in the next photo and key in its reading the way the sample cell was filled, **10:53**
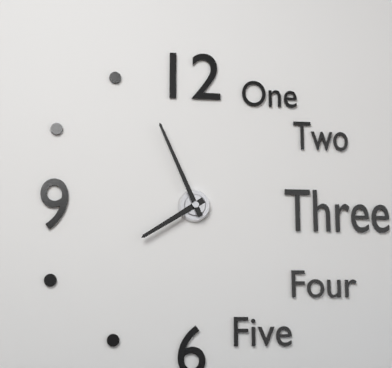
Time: **7:56**
